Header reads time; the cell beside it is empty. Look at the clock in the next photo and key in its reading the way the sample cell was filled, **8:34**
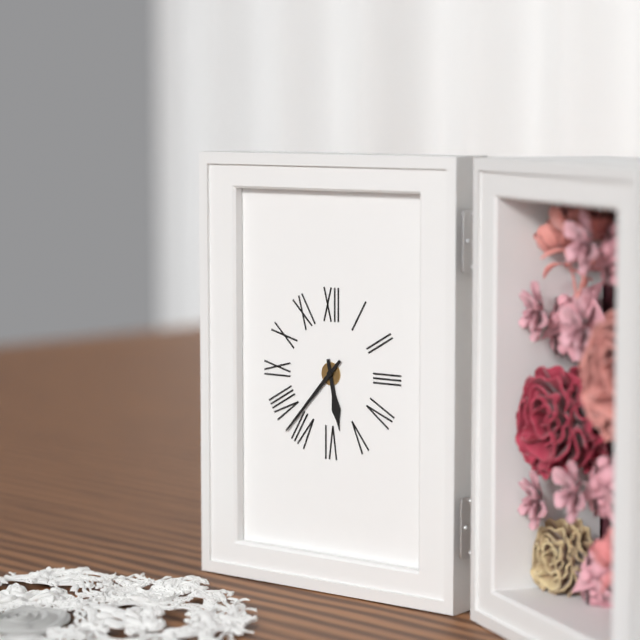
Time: **5:37**
